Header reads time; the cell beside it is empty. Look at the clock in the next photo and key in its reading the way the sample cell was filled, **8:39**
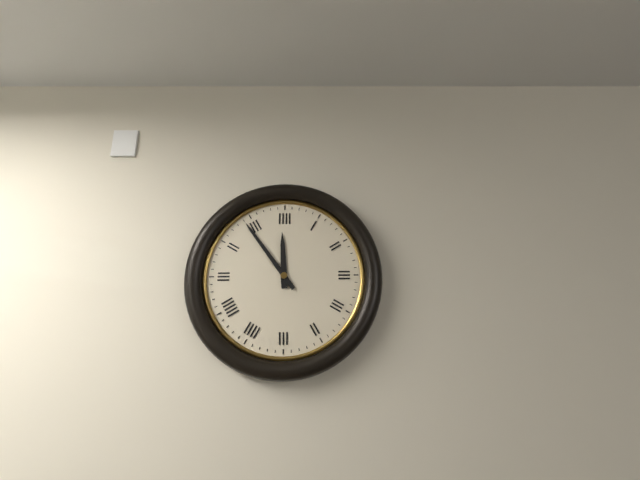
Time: **11:54**
